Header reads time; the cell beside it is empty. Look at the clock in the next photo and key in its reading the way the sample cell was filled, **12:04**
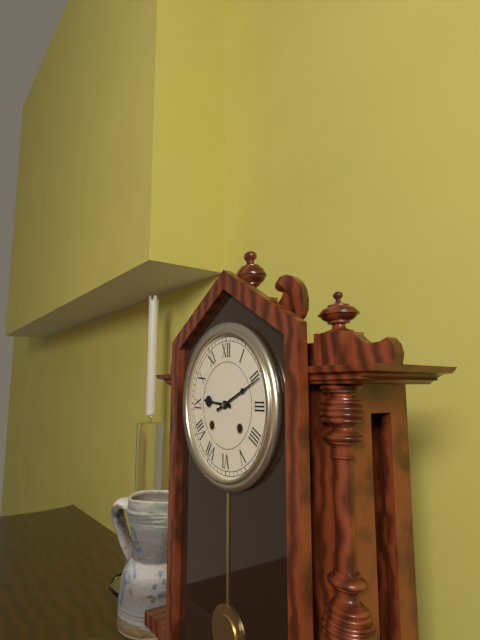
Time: **9:11**
